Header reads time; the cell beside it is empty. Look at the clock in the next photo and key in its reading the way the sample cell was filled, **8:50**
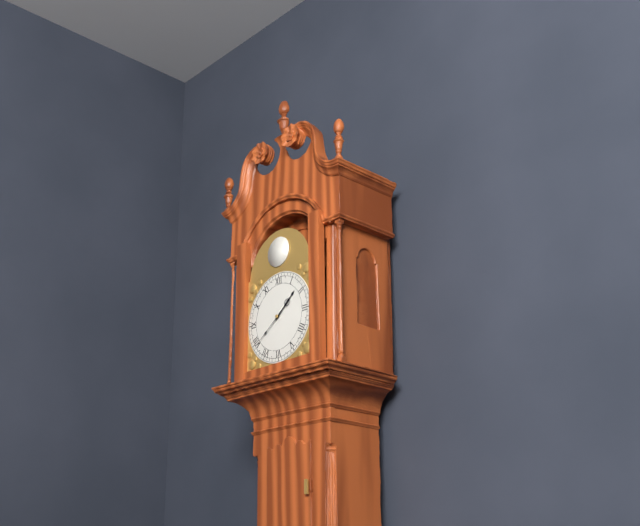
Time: **1:39**
